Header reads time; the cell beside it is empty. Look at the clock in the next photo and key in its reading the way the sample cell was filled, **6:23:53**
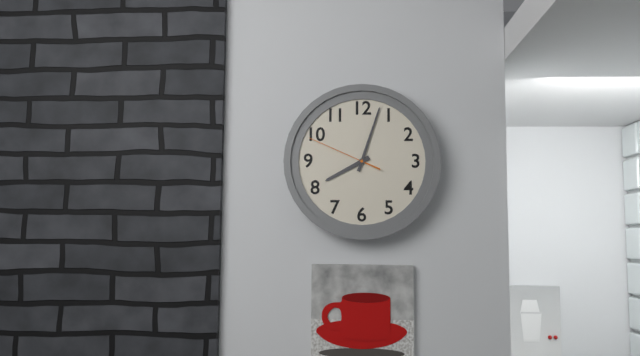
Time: **8:03:49**
